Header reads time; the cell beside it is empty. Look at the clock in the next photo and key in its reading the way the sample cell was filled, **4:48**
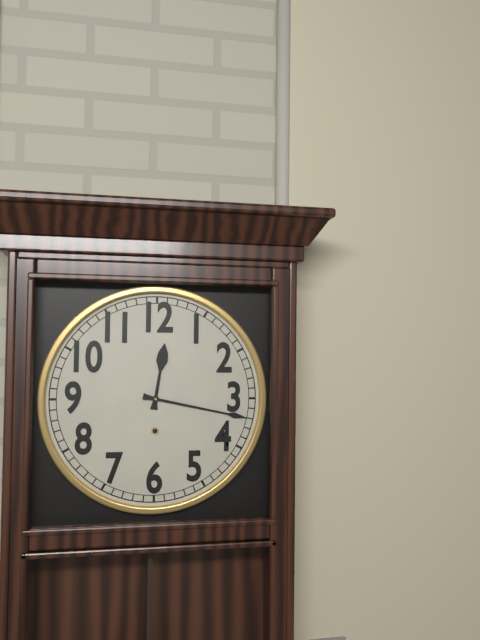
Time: **12:17**
